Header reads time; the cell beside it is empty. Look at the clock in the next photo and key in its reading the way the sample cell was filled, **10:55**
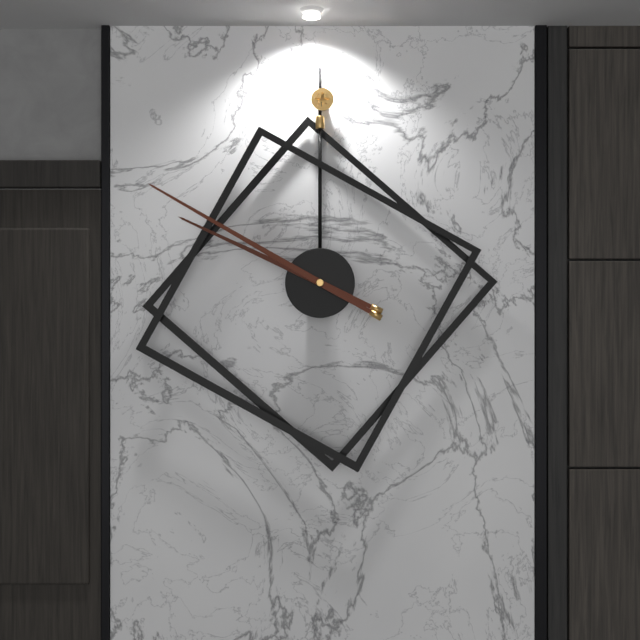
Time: **9:50**
